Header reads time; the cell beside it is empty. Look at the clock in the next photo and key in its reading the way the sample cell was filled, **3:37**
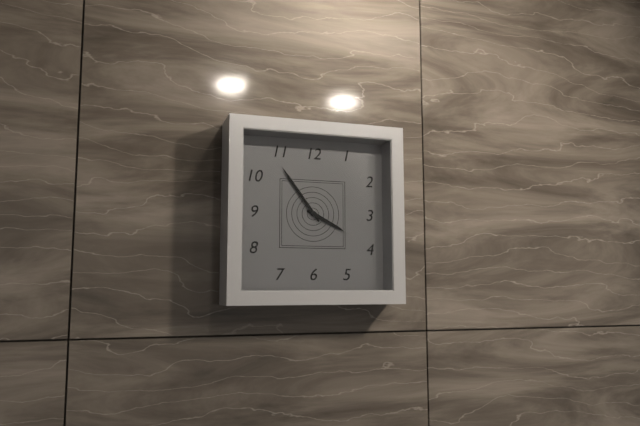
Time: **3:54**
